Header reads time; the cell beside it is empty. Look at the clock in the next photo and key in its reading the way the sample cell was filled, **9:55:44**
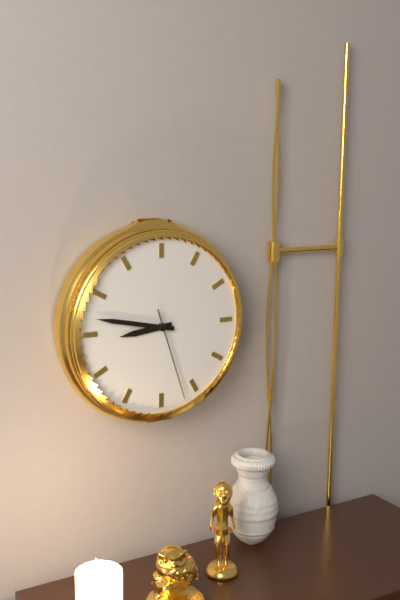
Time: **8:47:27**
